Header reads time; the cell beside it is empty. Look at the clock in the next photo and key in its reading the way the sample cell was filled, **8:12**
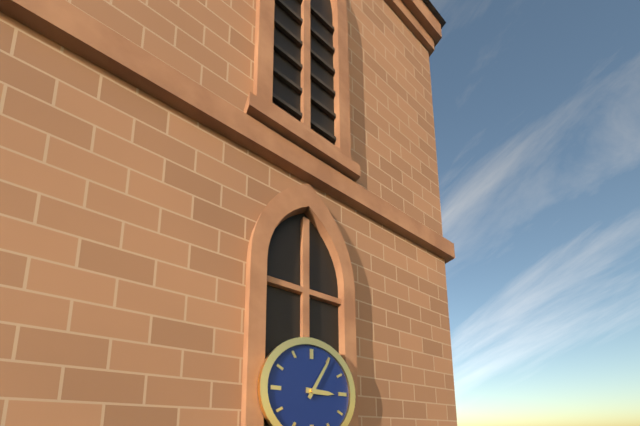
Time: **3:05**
